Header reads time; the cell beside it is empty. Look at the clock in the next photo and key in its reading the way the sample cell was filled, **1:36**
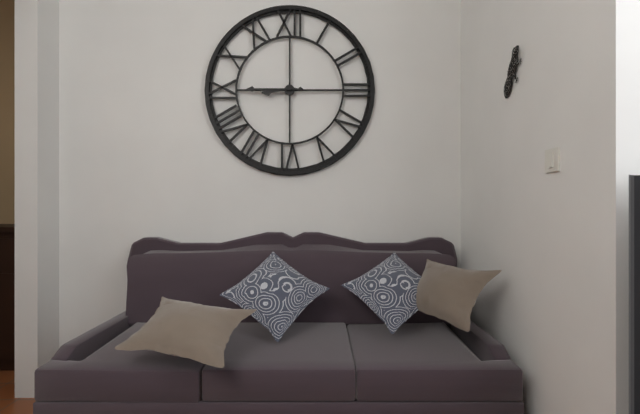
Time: **8:45**
